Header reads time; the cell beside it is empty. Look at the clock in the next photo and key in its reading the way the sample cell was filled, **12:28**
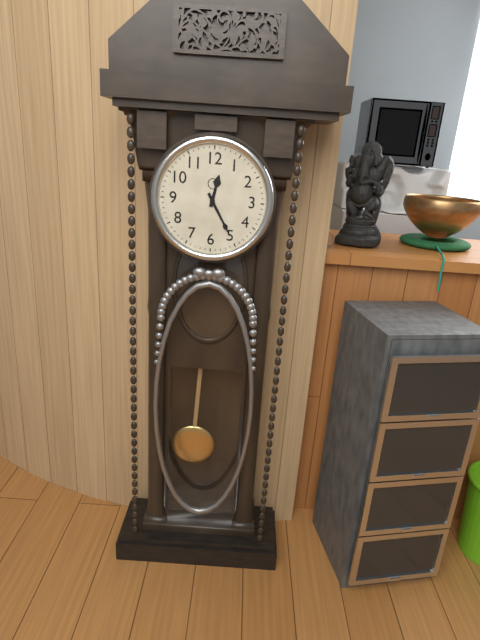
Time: **12:25**
